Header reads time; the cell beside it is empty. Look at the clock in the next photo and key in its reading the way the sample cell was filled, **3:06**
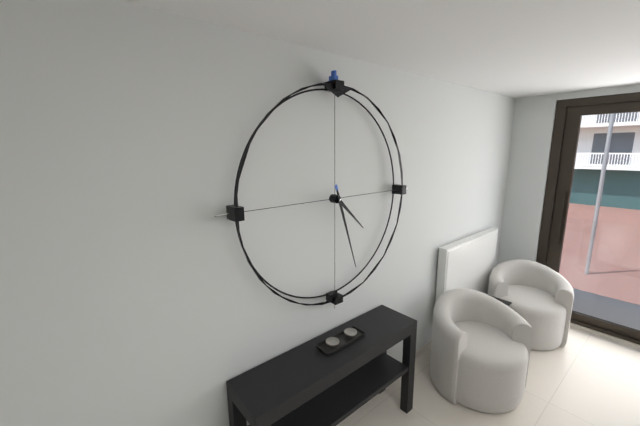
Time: **4:27**
